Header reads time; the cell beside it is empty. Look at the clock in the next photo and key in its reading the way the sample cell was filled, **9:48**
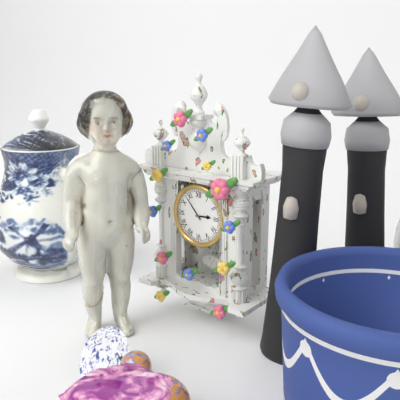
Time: **2:53**
